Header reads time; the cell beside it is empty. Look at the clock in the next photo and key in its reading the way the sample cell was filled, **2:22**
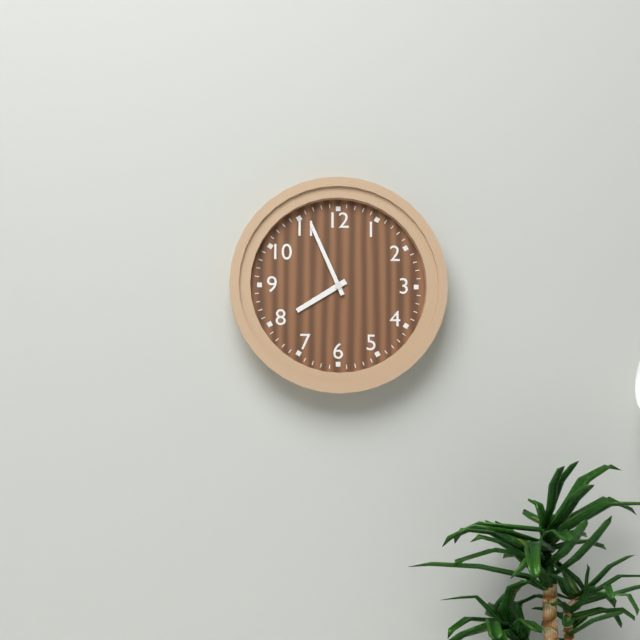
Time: **7:56**
